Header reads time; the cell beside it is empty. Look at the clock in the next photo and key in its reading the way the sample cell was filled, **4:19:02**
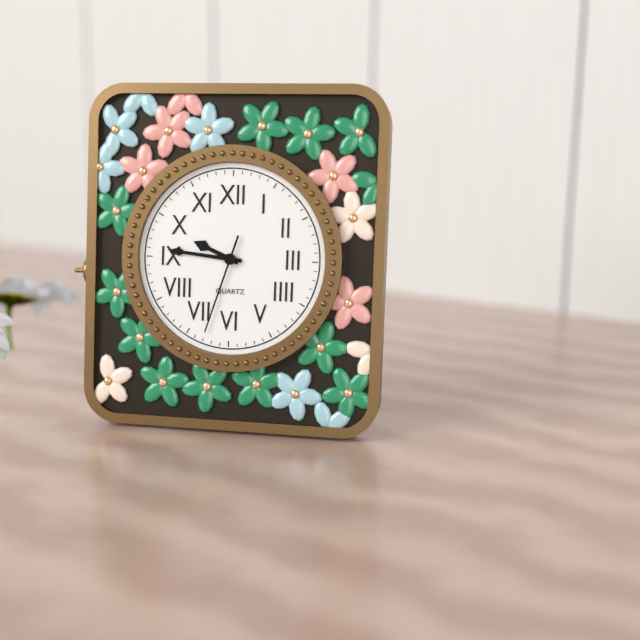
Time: **9:46:33**
